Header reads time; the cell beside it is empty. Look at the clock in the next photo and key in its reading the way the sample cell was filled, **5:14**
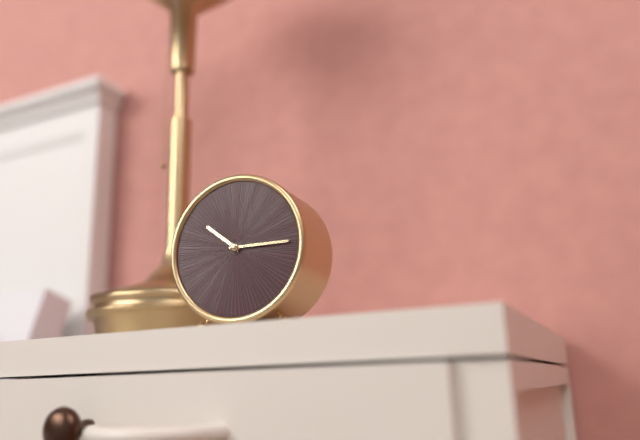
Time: **10:15**
